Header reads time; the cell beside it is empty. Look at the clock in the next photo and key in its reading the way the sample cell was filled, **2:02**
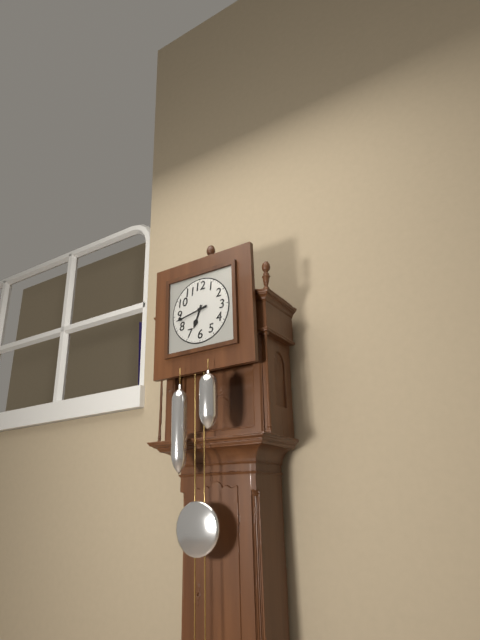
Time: **6:43**
